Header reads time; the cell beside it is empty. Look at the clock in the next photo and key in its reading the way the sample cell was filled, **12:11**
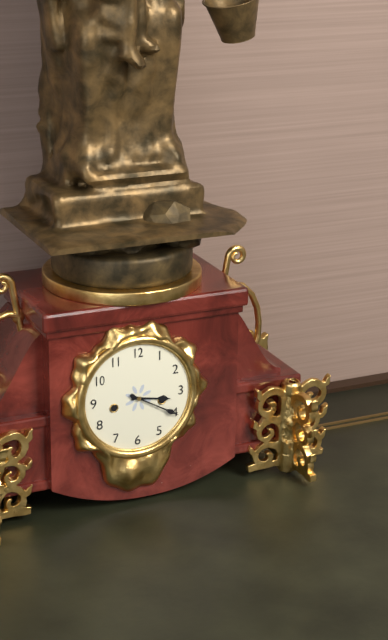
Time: **3:20**
